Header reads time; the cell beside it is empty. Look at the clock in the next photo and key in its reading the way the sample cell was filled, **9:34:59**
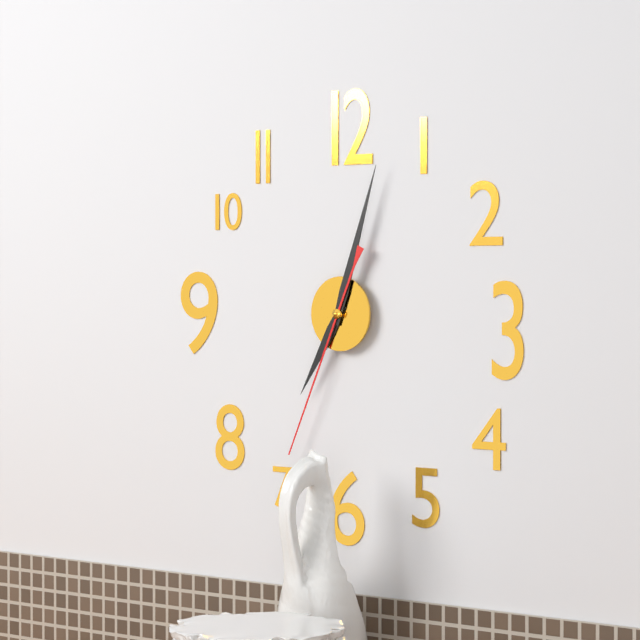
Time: **7:03:34**
